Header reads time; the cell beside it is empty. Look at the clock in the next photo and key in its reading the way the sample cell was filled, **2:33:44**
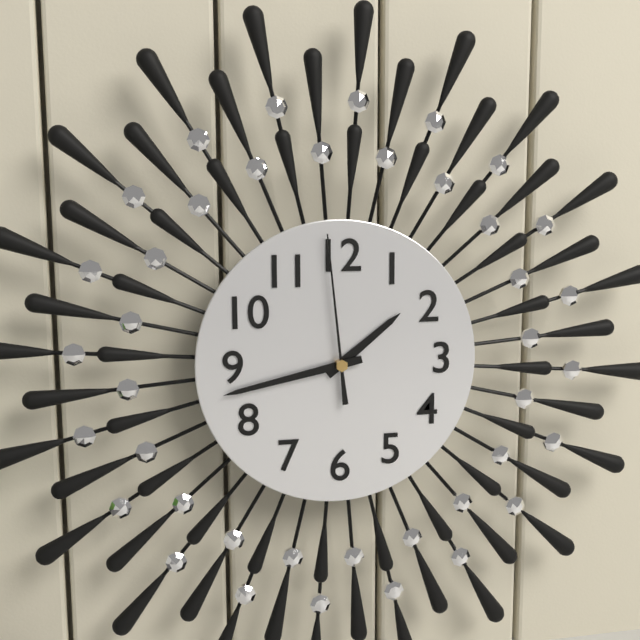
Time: **1:43:59**
